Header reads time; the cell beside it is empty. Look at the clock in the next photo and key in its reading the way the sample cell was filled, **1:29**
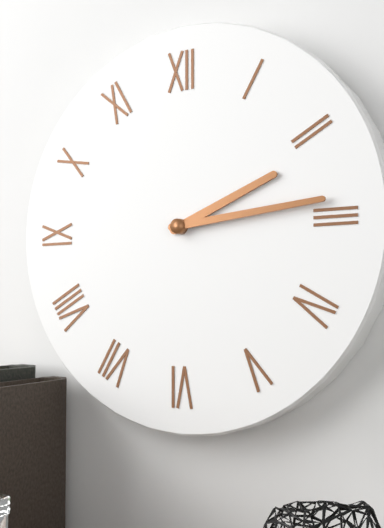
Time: **2:14**
